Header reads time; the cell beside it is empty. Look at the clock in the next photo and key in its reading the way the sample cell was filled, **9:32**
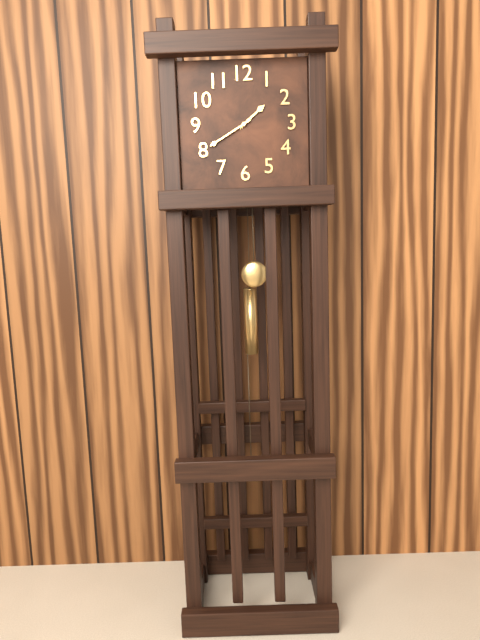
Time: **1:40**
